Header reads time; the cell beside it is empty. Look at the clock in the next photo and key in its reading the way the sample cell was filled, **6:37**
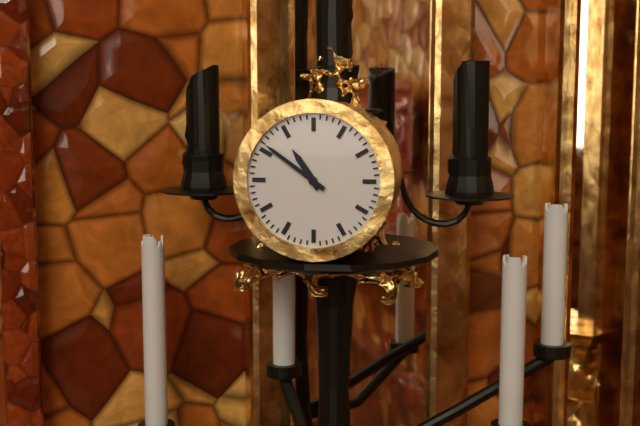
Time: **10:51**
